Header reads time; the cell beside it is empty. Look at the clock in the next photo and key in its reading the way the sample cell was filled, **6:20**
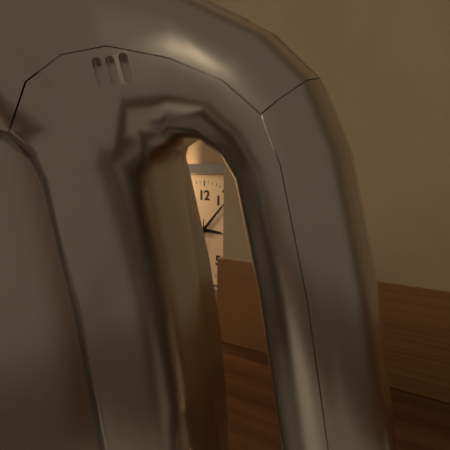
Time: **3:07**
